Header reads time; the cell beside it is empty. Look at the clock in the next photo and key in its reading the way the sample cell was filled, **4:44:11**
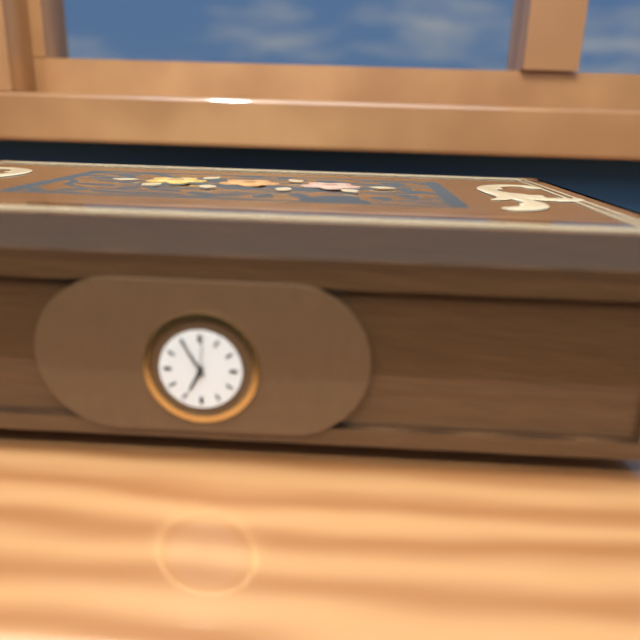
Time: **6:55:01**
